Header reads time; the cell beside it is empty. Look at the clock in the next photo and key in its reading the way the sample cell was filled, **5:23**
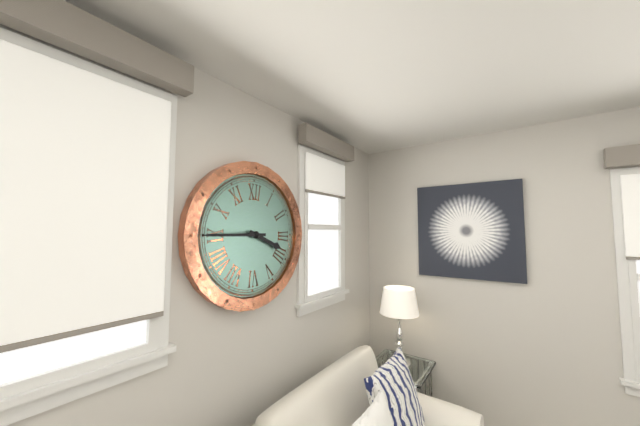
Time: **3:45**
